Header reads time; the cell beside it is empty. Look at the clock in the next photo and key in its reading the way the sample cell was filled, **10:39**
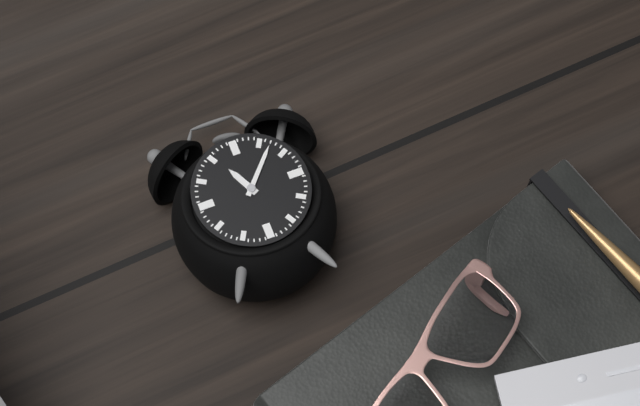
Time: **11:07**
